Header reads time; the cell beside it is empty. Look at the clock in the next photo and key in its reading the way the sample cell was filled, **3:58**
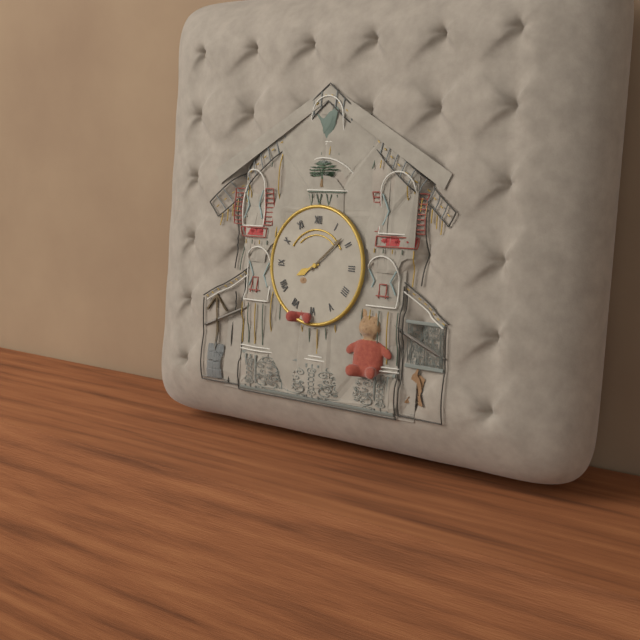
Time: **8:08**
